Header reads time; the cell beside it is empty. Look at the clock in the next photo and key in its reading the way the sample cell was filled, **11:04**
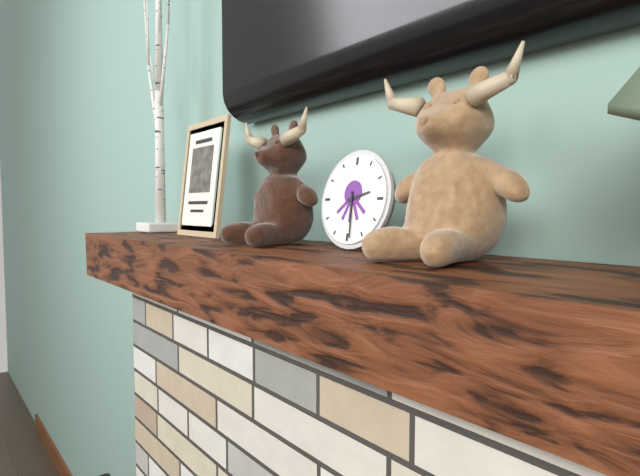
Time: **2:29**
